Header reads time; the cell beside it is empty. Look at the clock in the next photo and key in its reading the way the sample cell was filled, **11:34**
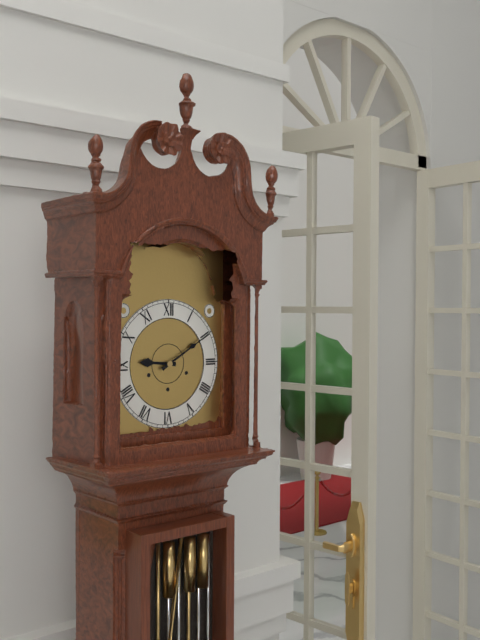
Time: **9:10**
